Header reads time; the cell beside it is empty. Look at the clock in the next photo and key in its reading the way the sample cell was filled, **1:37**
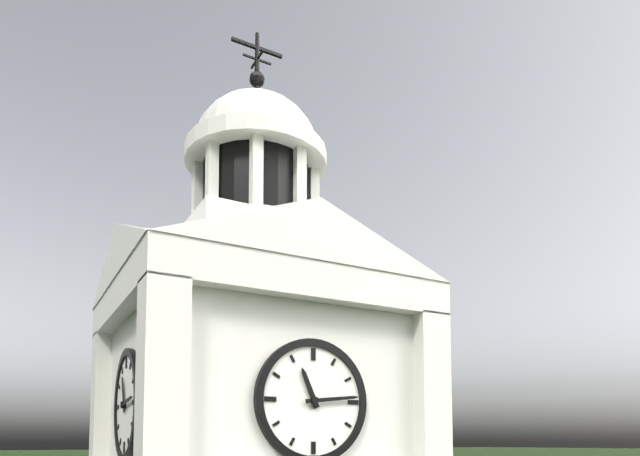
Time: **11:14**
